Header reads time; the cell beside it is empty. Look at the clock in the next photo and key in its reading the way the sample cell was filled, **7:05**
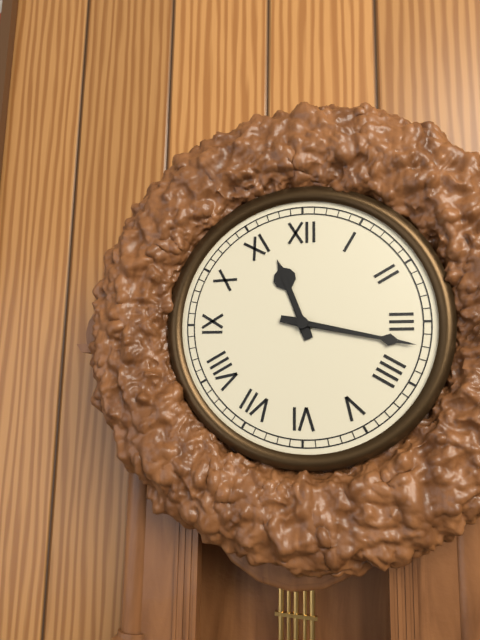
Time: **11:17**
